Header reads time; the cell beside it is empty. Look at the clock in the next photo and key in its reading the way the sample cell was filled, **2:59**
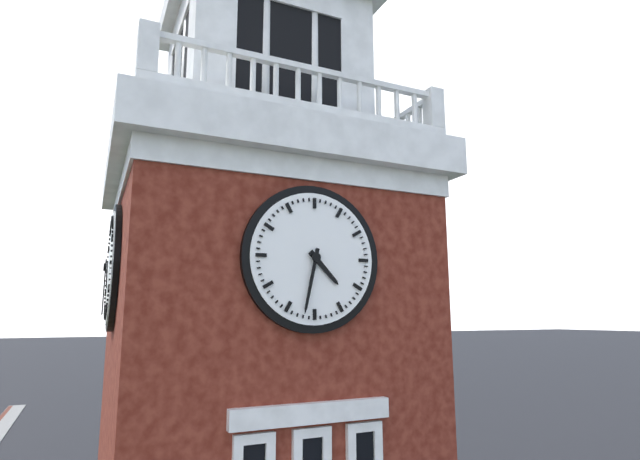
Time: **4:32**
